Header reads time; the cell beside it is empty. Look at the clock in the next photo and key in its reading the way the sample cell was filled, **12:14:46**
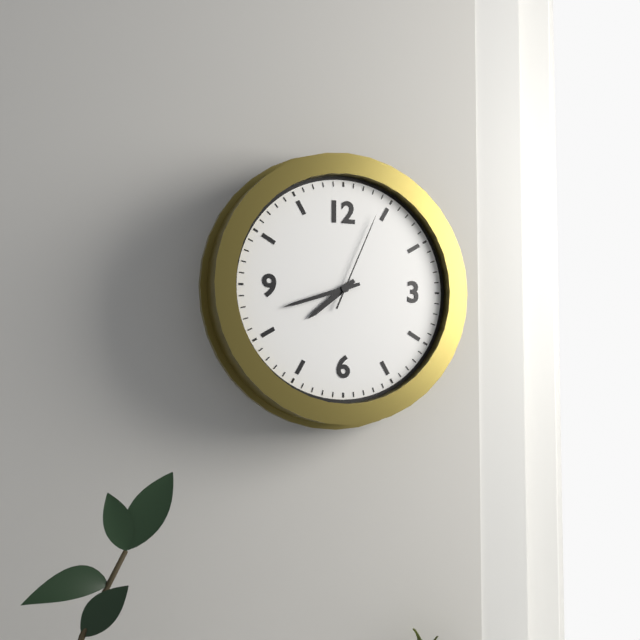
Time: **7:42:04**
